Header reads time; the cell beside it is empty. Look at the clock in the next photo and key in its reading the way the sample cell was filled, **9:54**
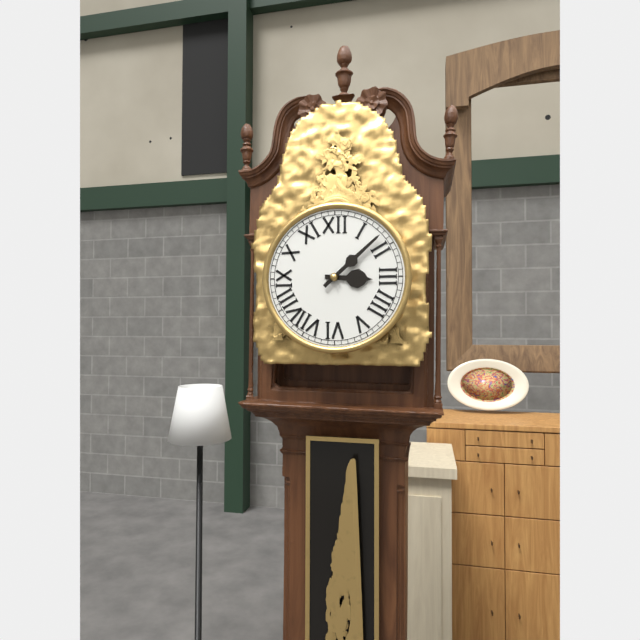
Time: **3:08**
